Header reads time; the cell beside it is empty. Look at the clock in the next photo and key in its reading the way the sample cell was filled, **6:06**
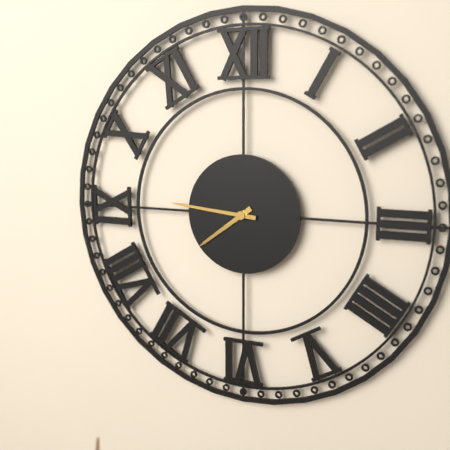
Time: **7:46**
